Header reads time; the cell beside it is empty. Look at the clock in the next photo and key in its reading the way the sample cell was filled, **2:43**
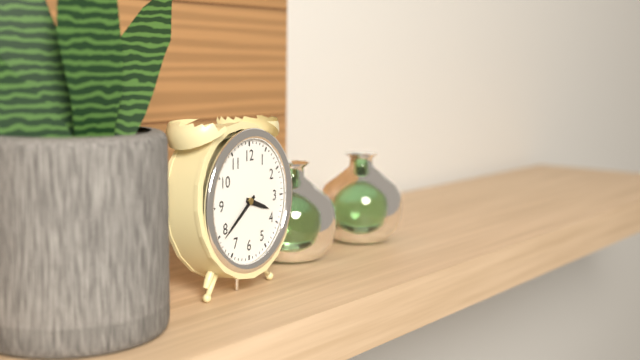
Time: **3:39**
